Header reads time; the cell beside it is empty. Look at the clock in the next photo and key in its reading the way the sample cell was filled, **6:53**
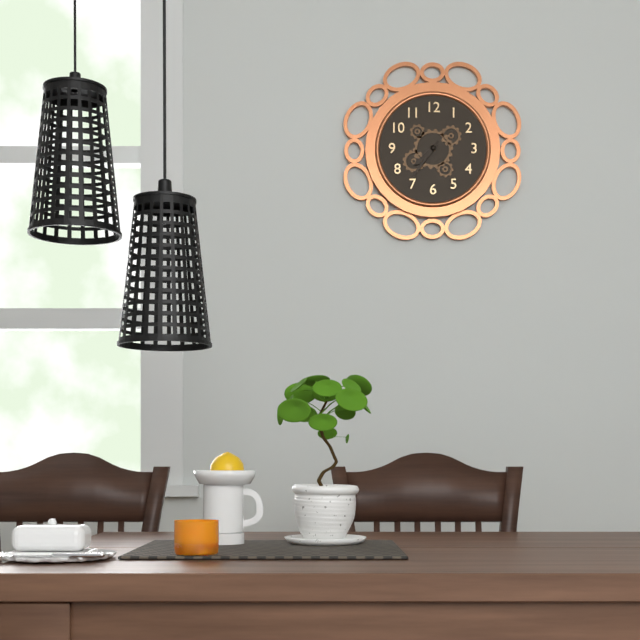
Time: **7:36**
